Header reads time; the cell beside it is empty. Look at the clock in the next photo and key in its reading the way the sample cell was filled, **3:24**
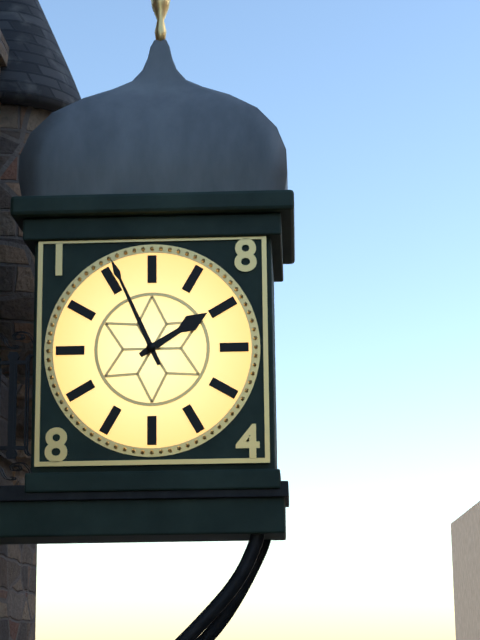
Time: **1:56**
